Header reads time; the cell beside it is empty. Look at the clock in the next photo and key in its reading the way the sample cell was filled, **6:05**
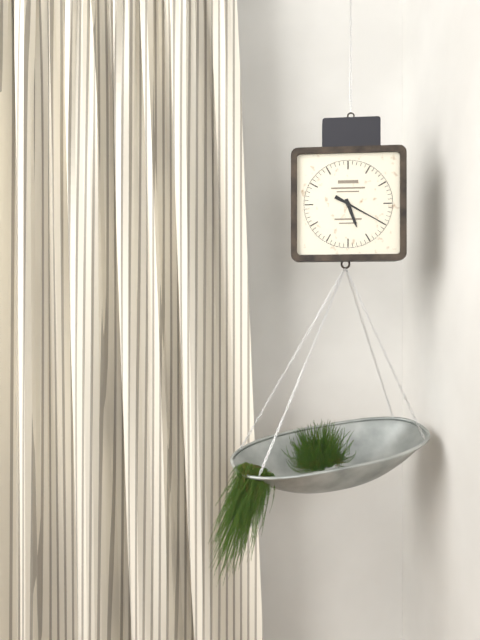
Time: **5:20**
